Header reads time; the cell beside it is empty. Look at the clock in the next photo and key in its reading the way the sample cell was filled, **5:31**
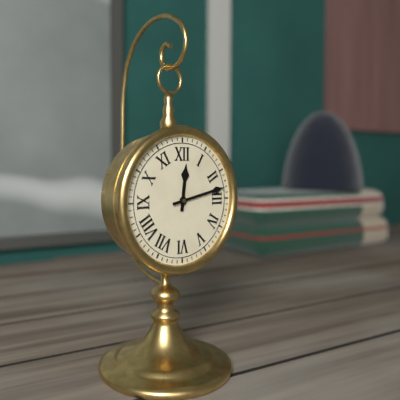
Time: **12:13**
